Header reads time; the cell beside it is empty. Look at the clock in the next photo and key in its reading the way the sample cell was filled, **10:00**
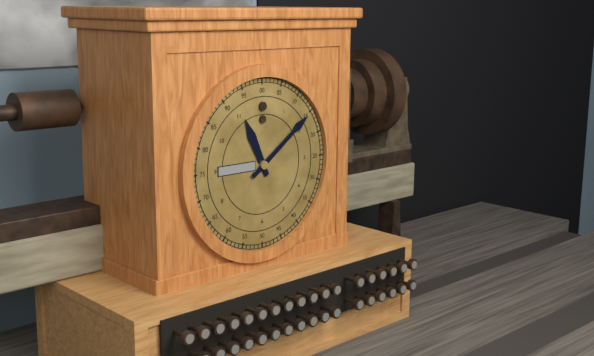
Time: **11:09**
